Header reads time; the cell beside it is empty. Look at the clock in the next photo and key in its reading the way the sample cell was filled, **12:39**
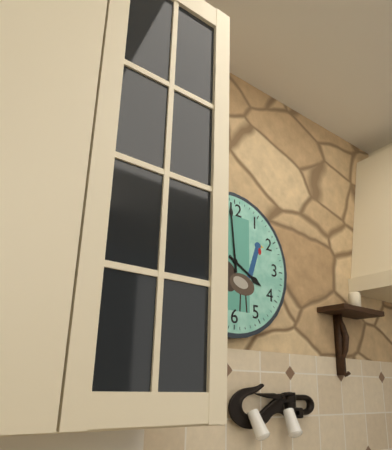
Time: **3:59**
